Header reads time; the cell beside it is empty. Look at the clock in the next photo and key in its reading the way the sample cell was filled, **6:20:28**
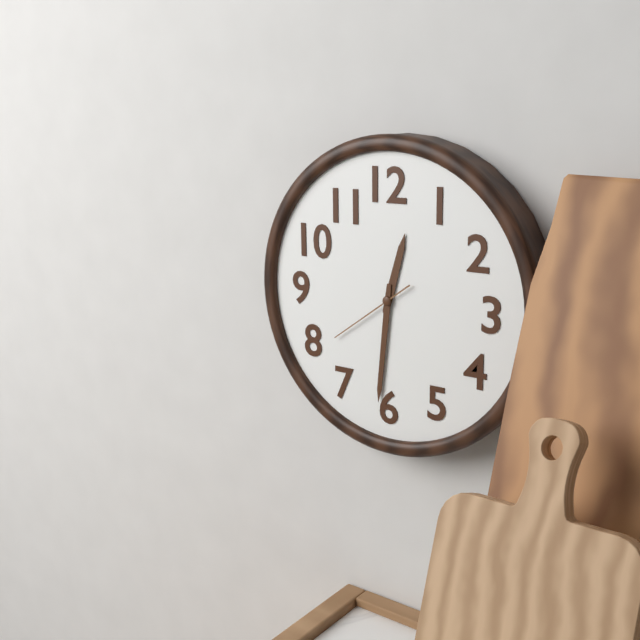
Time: **12:31:39**
